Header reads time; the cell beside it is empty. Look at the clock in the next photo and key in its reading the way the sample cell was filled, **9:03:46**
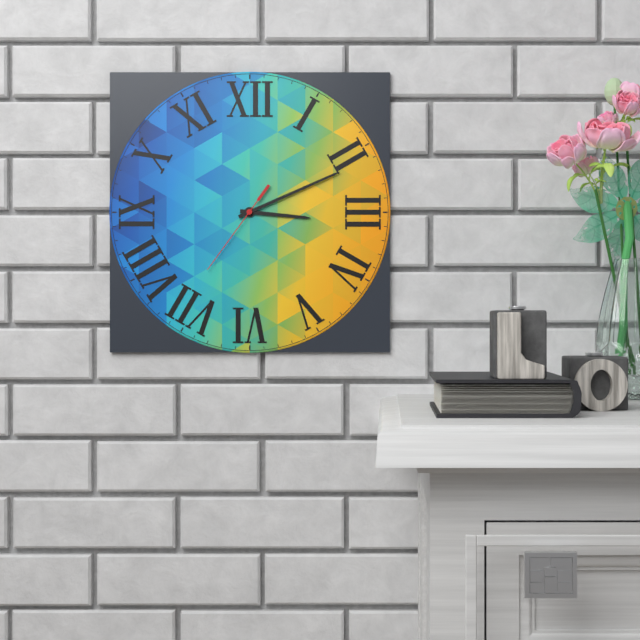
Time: **3:11:36**
